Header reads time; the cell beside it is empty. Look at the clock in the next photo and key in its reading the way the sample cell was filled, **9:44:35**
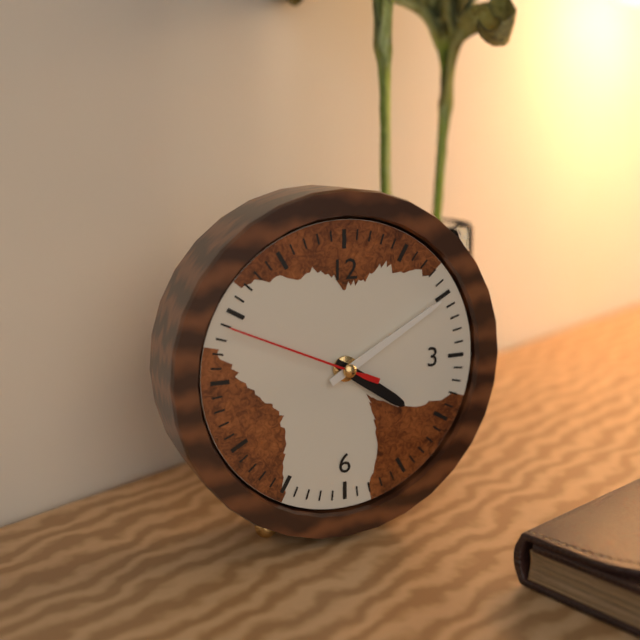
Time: **4:10:49**
